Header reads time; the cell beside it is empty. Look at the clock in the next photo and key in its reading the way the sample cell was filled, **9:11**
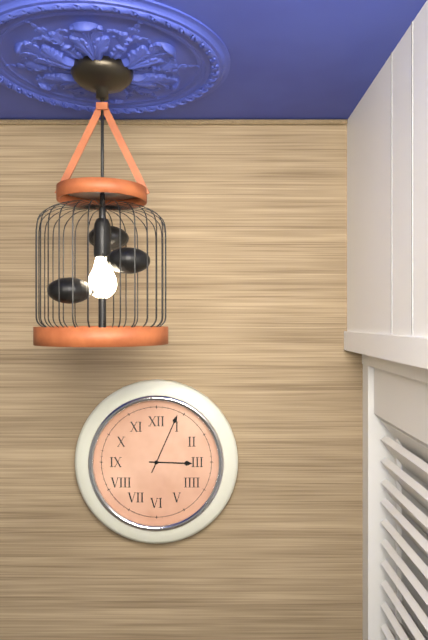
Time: **3:04**
